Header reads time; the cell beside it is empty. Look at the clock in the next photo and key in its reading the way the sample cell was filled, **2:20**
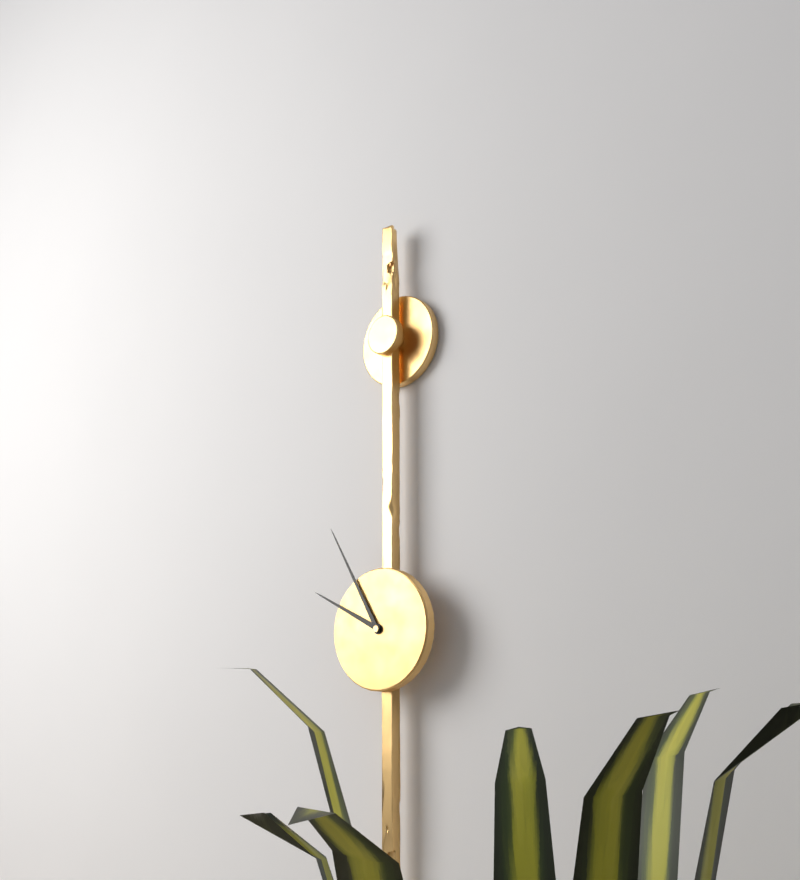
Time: **9:55**
